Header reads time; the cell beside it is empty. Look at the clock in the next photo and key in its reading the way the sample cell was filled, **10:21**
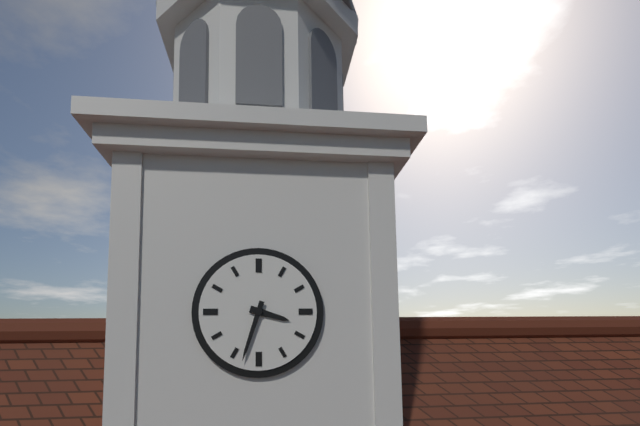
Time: **3:33**
